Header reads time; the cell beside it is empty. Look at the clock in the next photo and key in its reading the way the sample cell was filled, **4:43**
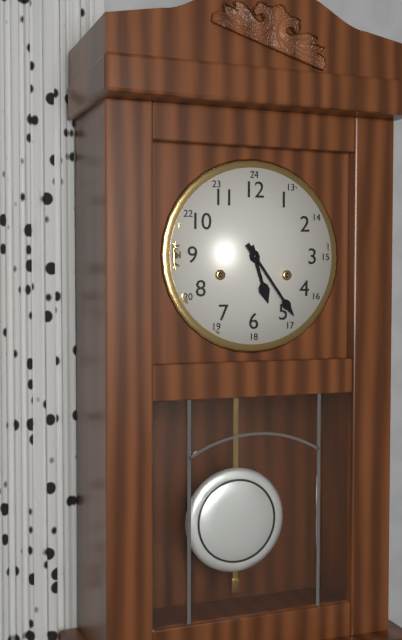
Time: **5:24**
